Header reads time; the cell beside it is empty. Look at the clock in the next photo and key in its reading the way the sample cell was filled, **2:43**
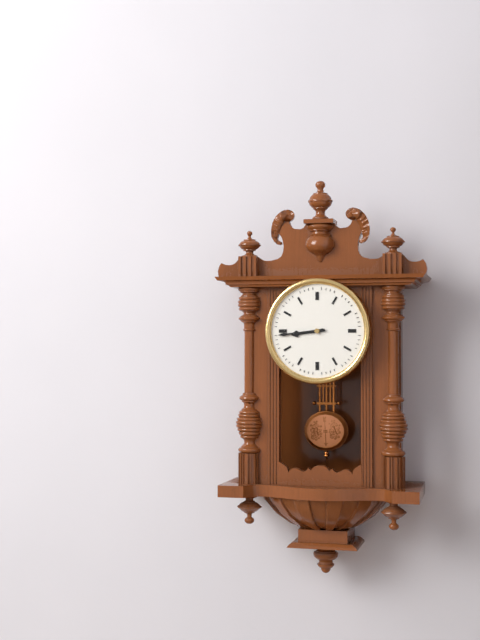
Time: **8:44**
